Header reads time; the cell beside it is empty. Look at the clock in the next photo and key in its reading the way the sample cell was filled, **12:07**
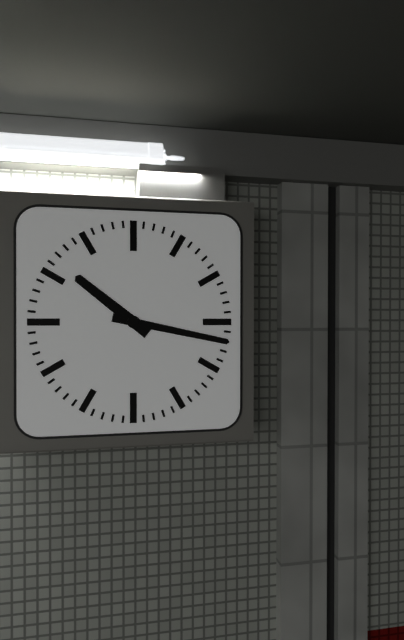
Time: **10:17**
